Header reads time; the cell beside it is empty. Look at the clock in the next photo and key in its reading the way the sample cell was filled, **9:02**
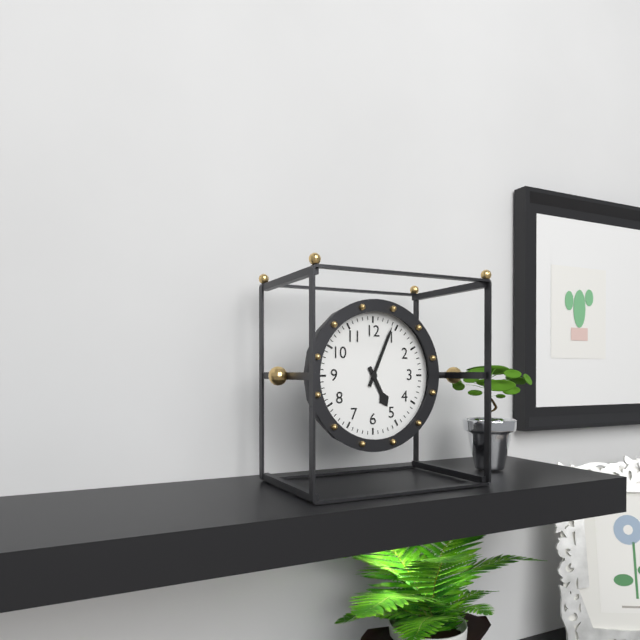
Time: **5:04**
